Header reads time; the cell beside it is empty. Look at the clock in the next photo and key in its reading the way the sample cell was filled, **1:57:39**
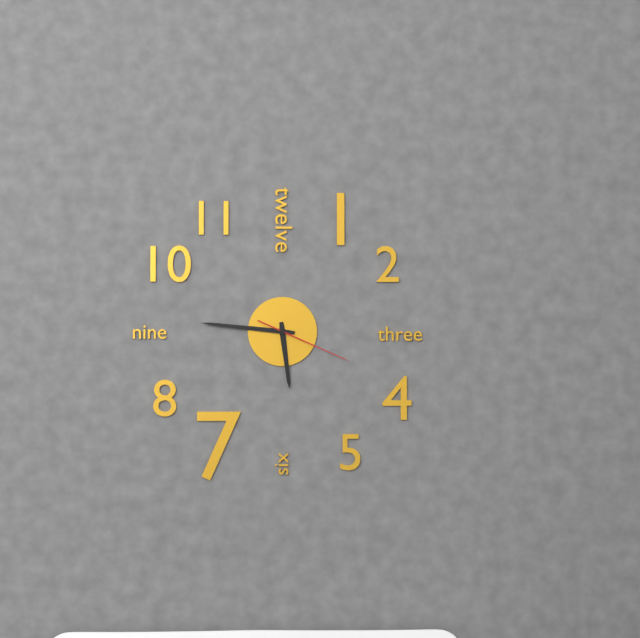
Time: **5:46:19**
